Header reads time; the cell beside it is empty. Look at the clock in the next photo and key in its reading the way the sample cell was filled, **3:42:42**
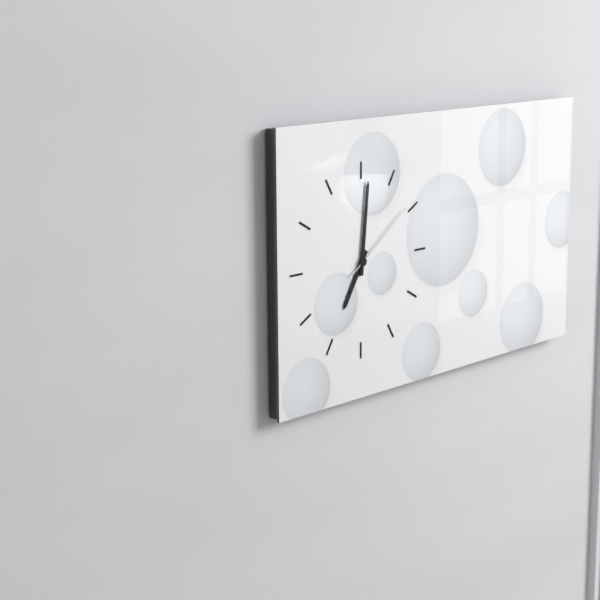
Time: **7:01:09**
